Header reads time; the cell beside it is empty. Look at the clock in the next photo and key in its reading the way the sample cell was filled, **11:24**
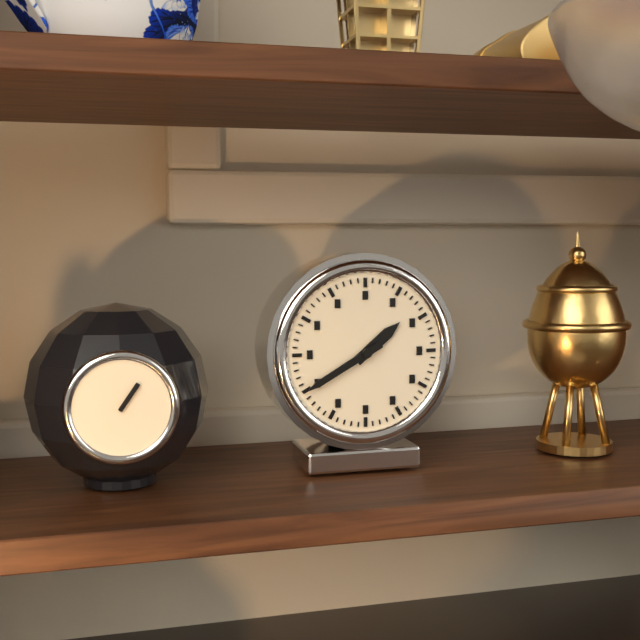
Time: **1:40**
